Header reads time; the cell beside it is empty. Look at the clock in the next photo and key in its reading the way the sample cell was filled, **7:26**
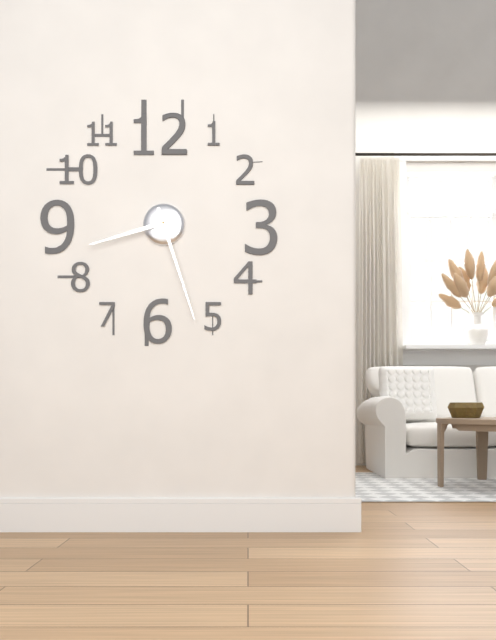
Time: **8:27**
